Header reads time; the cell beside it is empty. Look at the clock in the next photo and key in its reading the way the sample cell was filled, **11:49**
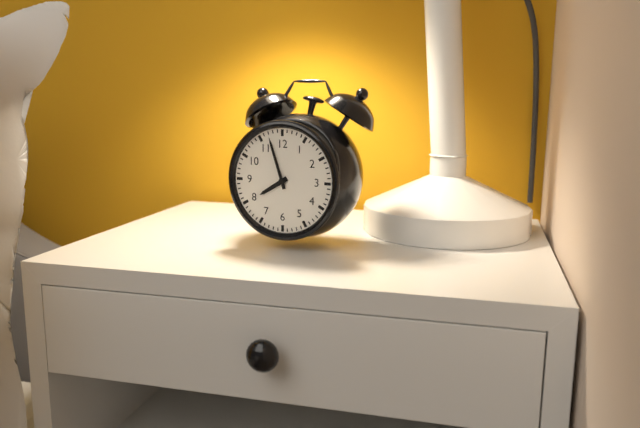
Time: **7:57**
